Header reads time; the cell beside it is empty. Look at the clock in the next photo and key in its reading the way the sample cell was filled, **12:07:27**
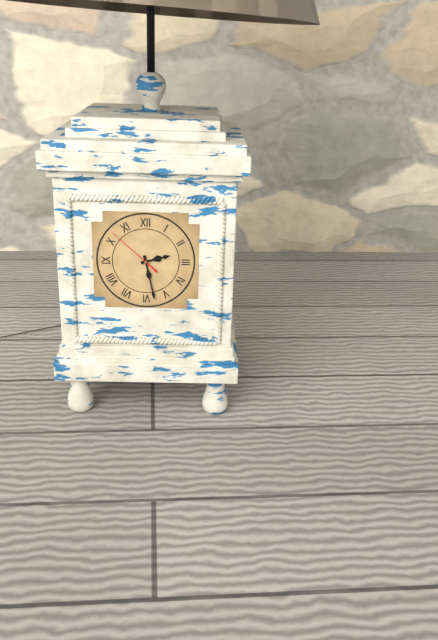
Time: **2:28:52**
